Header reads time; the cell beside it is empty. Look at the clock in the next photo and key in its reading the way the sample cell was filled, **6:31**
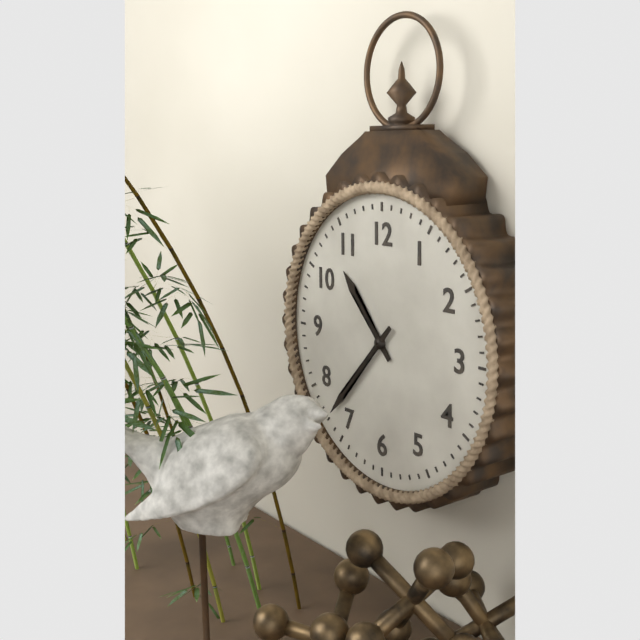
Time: **10:37**
